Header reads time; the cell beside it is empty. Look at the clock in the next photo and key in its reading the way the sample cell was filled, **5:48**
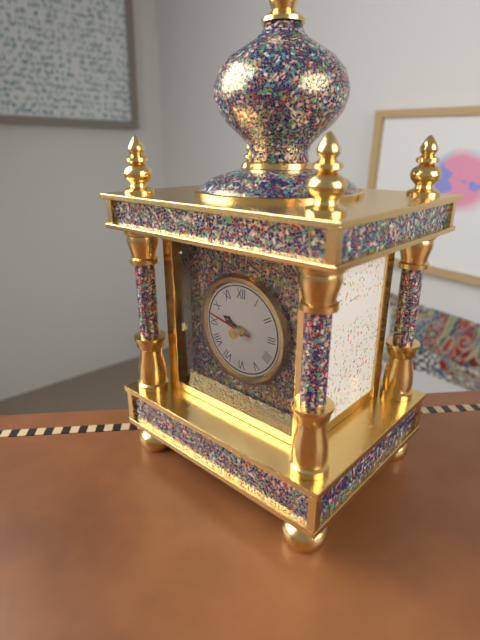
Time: **9:47**
